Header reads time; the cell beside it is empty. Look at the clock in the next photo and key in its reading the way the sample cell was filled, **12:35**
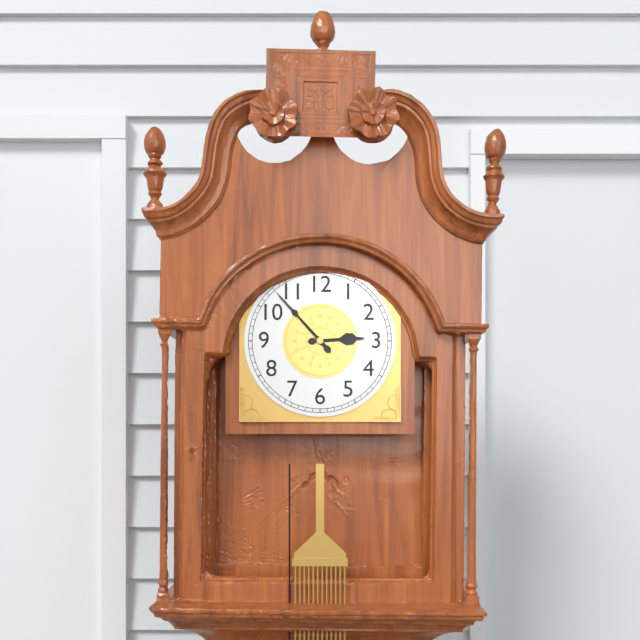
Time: **2:53**
